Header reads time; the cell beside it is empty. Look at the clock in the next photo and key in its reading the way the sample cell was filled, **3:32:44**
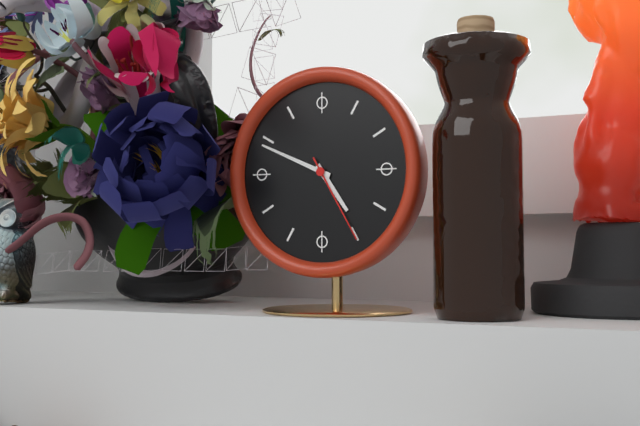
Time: **4:49:25**
